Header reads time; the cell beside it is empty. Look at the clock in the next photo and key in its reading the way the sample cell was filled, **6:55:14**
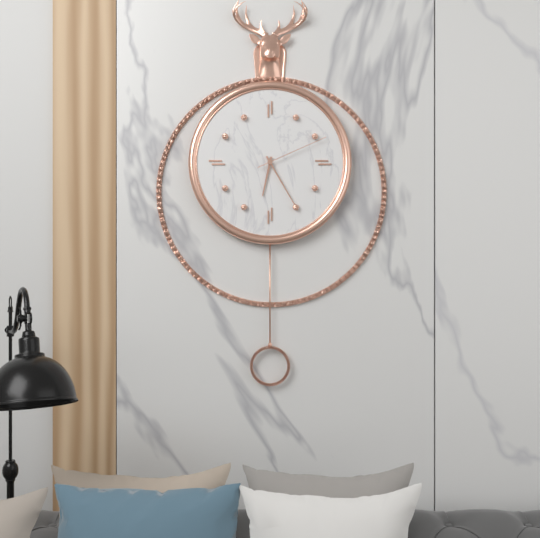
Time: **6:25:11**
